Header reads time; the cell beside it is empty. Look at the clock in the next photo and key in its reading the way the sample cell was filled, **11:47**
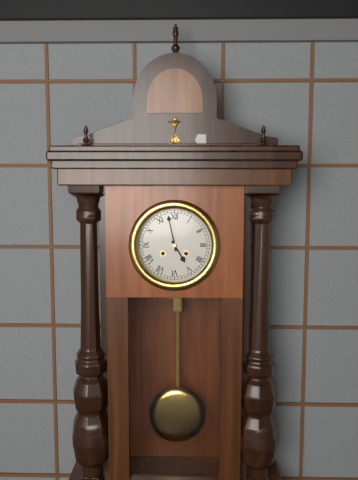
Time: **4:58**
